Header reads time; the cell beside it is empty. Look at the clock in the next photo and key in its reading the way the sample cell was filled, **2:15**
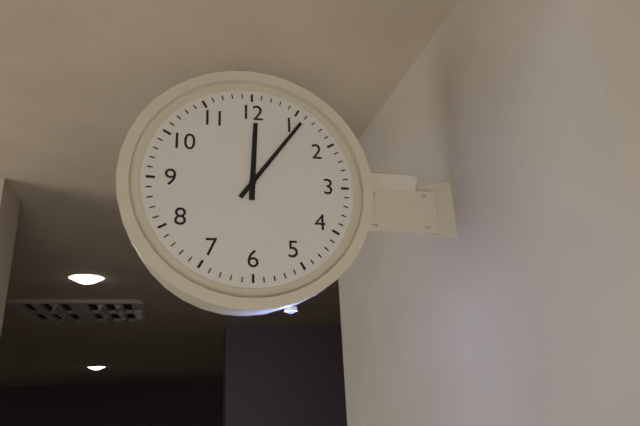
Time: **12:06**
